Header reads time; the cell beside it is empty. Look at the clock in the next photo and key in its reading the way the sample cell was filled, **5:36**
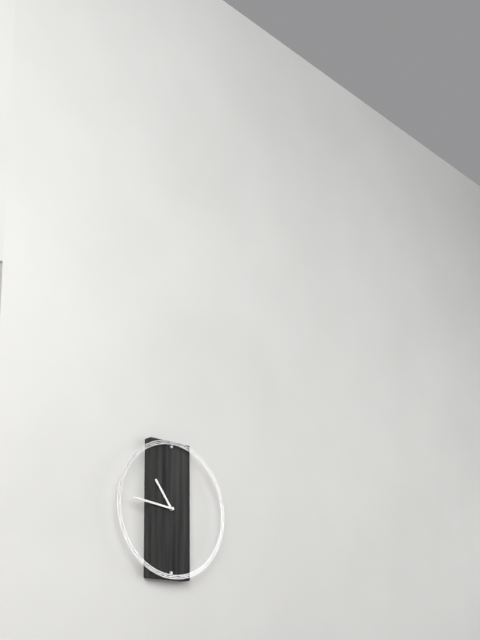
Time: **10:46**
